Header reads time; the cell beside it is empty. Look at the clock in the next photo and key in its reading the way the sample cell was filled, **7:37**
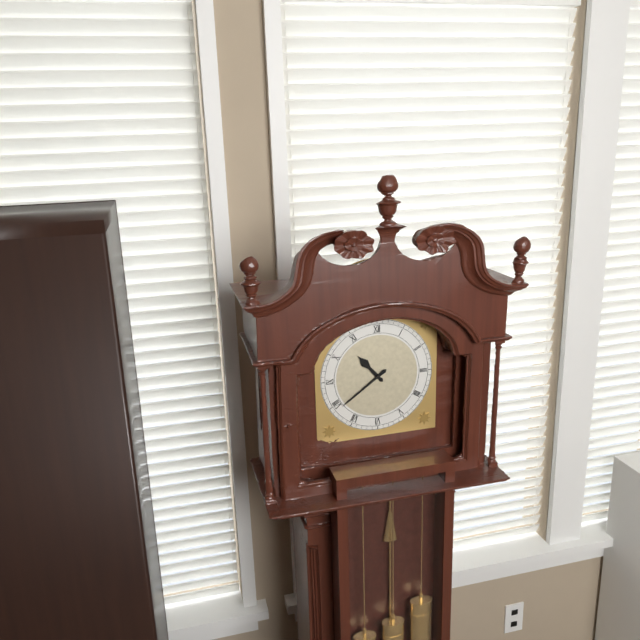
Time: **10:39**
